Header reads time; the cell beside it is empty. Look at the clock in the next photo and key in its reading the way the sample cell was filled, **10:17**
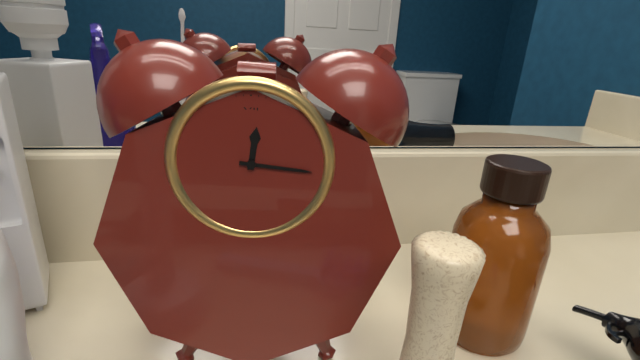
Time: **12:16**
